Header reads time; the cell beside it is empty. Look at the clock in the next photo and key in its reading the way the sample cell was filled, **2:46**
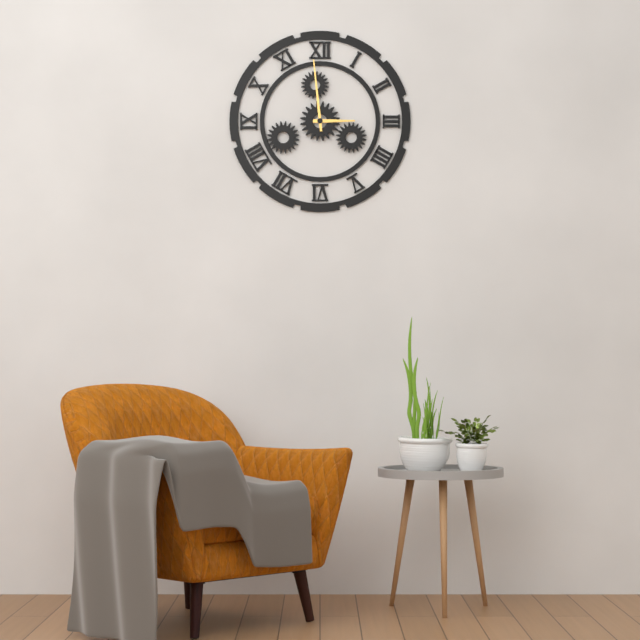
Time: **2:59**
